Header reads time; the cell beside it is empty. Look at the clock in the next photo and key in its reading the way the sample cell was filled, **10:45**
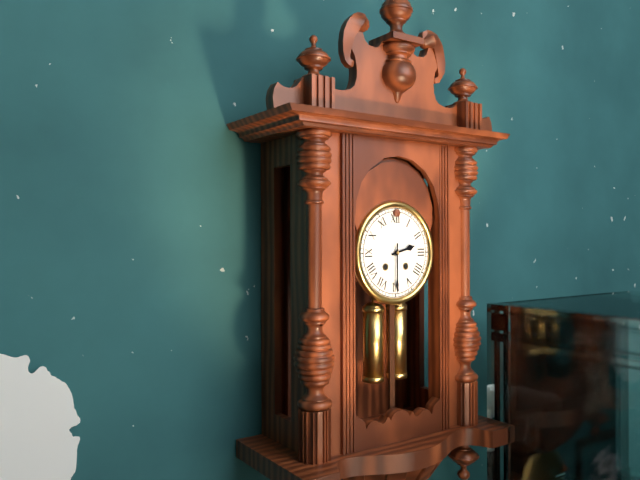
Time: **2:30**
